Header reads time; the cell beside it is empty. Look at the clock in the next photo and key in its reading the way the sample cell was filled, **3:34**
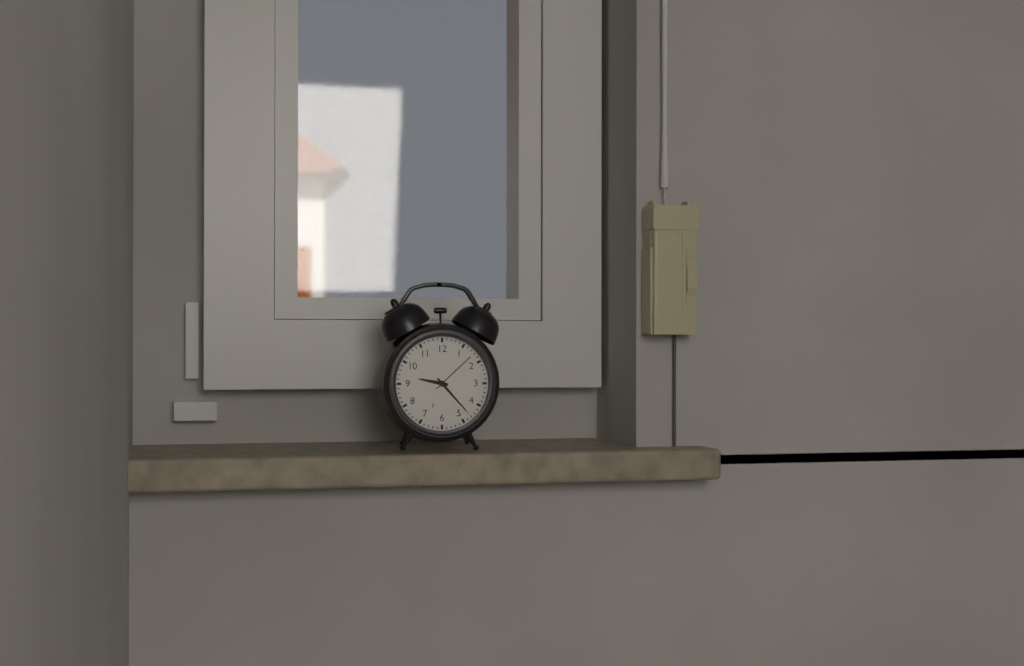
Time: **9:23**
